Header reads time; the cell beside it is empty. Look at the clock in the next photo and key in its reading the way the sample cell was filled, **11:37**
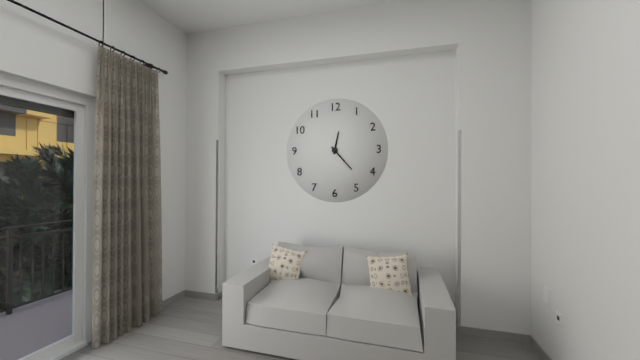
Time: **12:23**
